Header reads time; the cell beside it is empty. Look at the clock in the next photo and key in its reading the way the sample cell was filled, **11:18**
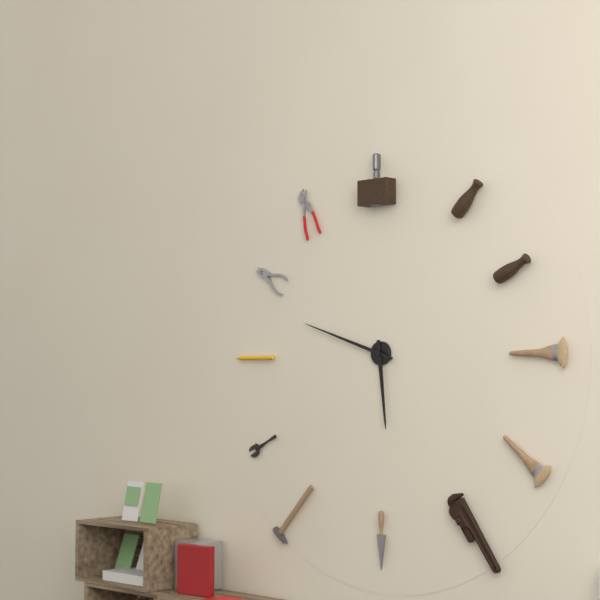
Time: **5:48**
